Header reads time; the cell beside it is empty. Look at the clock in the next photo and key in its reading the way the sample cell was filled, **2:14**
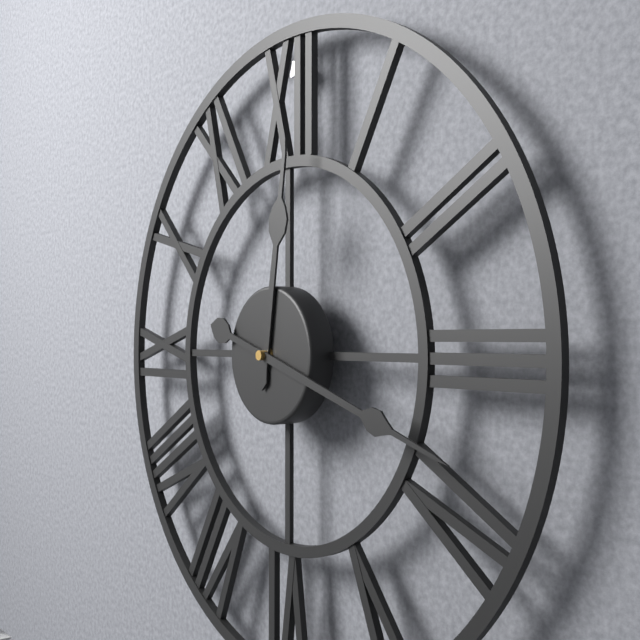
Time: **12:18**
